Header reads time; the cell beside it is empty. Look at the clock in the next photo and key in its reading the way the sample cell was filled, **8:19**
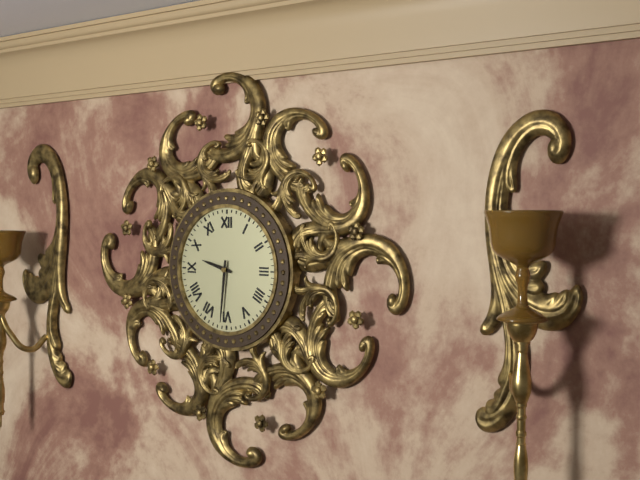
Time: **9:31**
